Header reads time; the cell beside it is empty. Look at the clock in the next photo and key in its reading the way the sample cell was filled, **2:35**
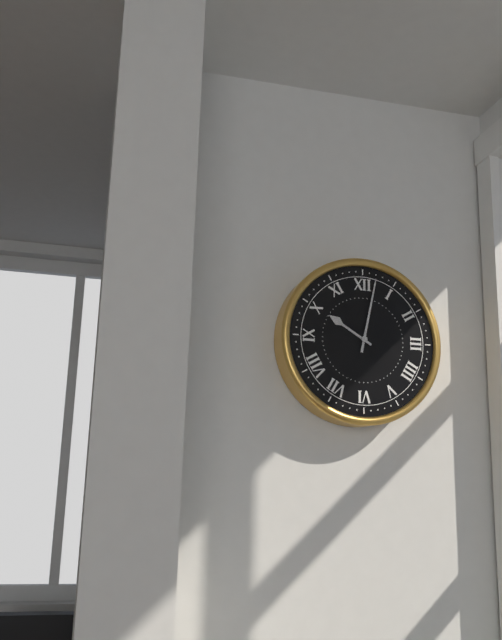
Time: **10:02**
